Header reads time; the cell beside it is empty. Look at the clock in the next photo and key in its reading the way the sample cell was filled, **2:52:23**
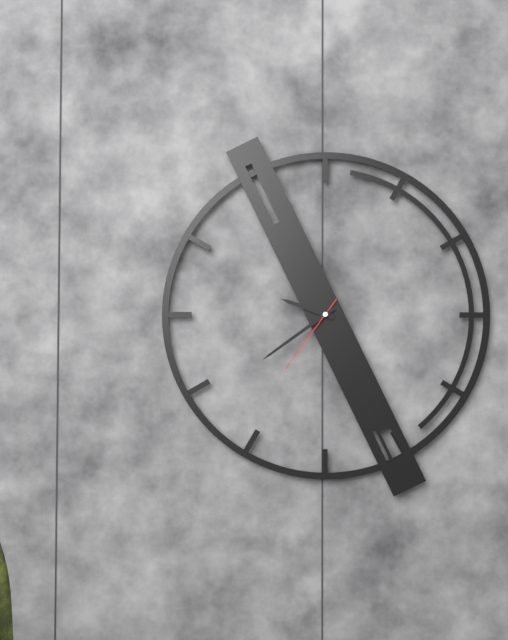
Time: **9:39:36**
